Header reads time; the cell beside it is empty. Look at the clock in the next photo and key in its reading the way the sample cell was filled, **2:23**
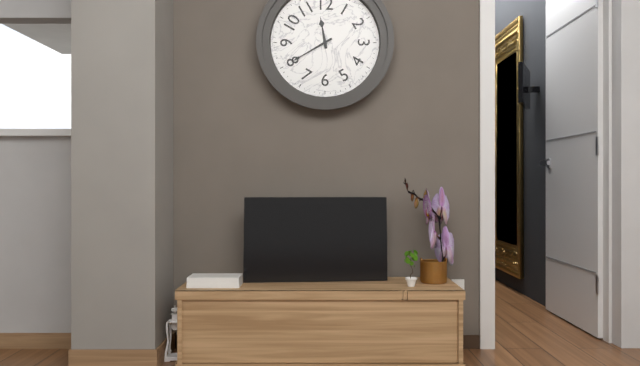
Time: **11:40**
